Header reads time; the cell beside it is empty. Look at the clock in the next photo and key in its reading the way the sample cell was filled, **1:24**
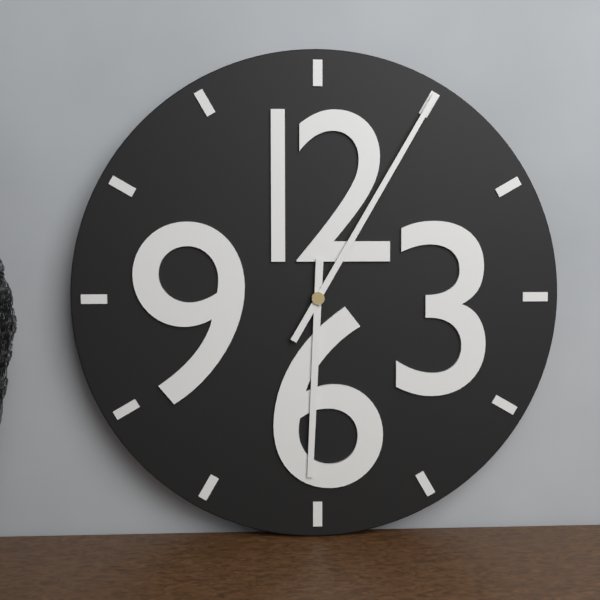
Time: **6:05**
